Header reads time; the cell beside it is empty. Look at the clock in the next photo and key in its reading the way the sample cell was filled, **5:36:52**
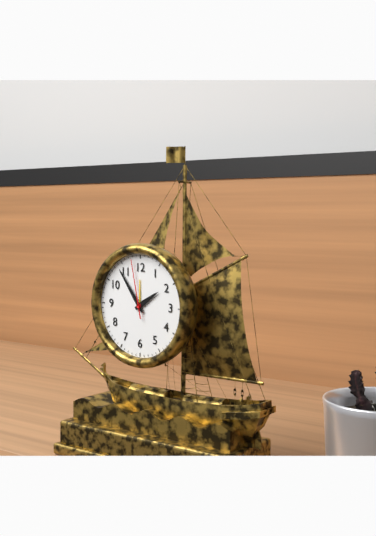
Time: **1:54:58**
